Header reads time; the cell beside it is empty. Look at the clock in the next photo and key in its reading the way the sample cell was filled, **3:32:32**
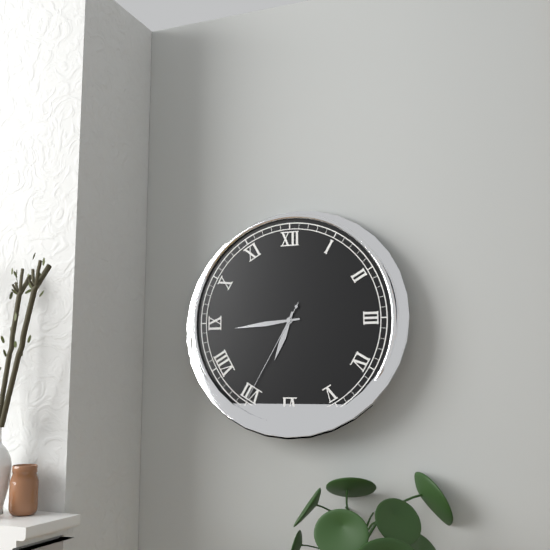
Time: **6:44:35**
